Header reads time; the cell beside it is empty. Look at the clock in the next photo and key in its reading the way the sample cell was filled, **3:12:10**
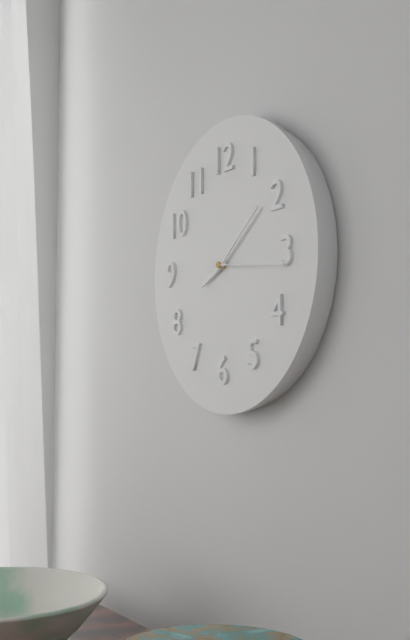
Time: **8:09:16**
